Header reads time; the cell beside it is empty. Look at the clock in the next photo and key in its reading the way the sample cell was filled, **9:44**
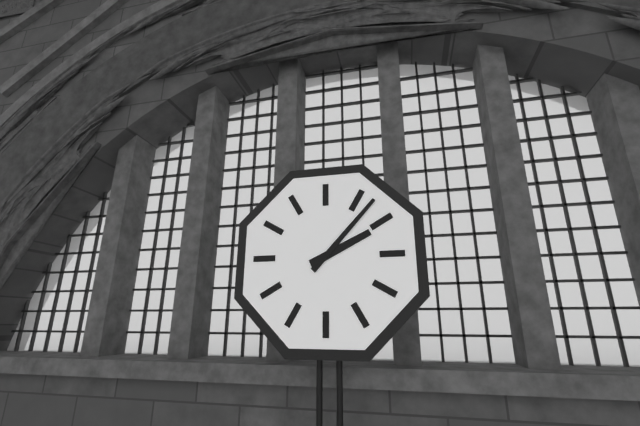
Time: **2:07**
